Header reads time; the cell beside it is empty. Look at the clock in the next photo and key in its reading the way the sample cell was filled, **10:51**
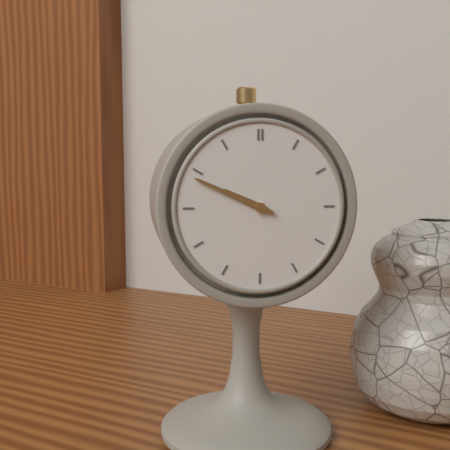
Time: **9:49**
